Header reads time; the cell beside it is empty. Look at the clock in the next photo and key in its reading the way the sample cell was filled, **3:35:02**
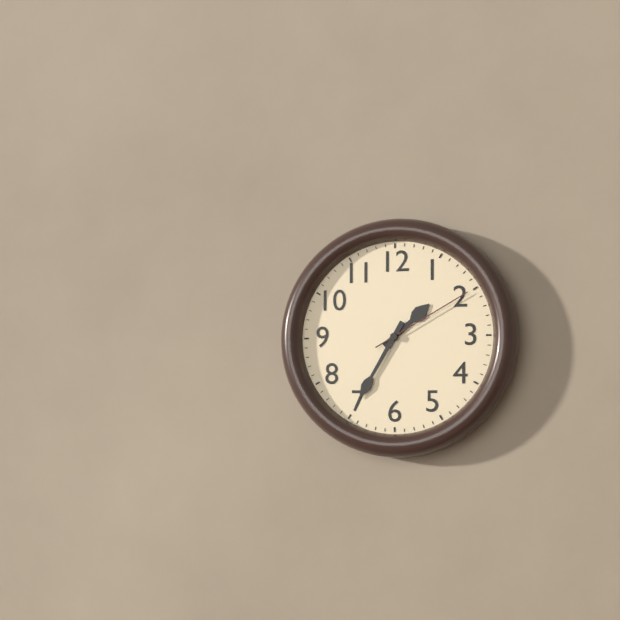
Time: **1:35:10**
